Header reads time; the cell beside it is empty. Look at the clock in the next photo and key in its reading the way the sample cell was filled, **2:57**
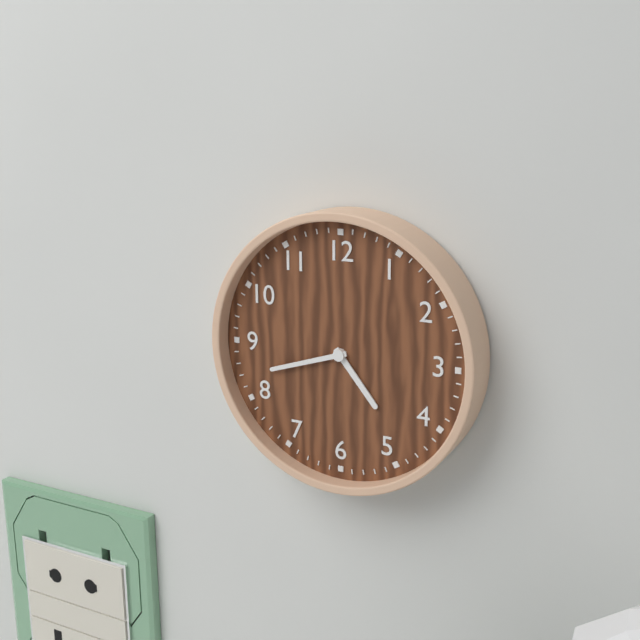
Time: **4:42**
